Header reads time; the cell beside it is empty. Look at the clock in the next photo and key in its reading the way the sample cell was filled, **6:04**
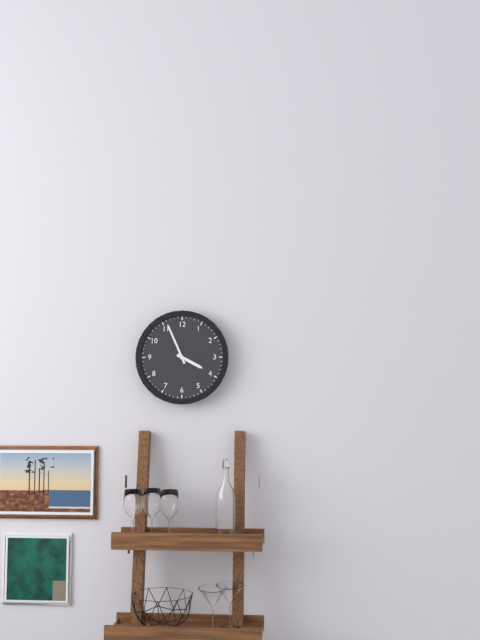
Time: **3:56**
